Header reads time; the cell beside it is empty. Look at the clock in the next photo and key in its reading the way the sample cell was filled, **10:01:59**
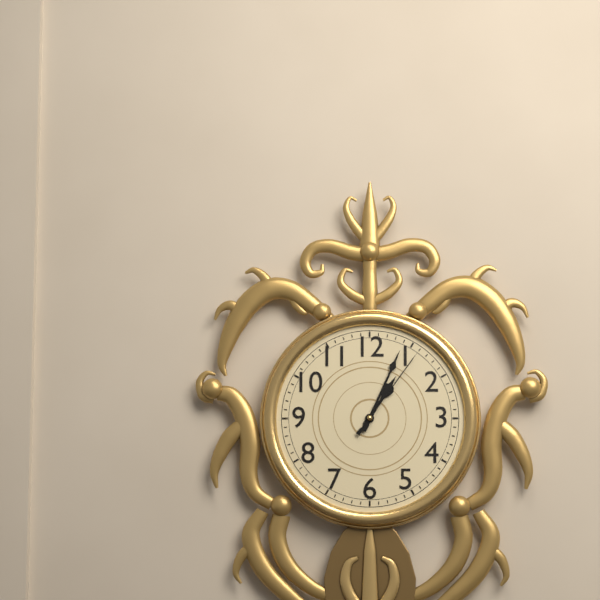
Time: **1:04:06**
